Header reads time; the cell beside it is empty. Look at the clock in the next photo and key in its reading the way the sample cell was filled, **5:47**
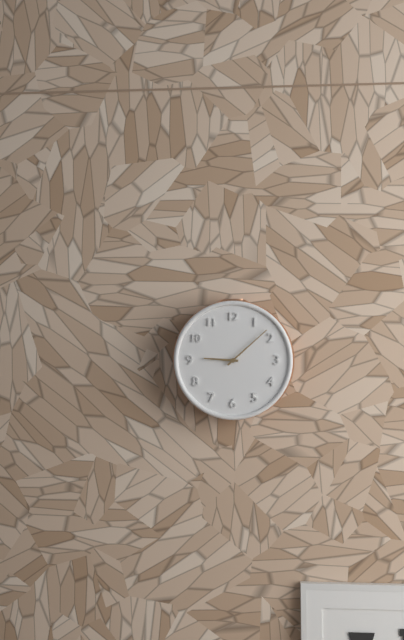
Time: **9:08**
